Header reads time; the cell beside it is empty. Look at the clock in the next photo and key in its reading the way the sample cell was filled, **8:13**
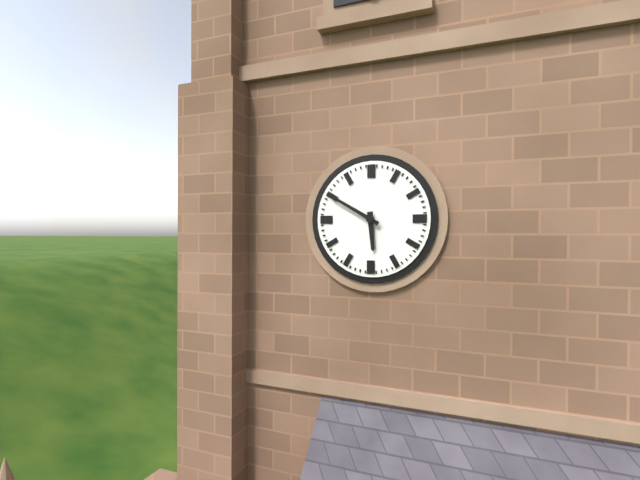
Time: **5:50**
